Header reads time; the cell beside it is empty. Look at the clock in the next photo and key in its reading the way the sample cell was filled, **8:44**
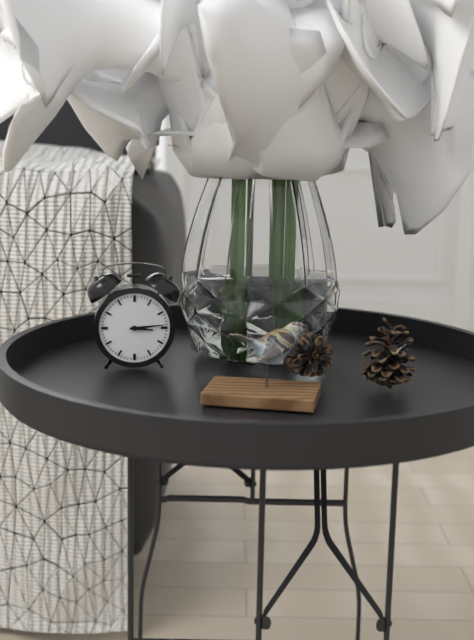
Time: **3:14**
